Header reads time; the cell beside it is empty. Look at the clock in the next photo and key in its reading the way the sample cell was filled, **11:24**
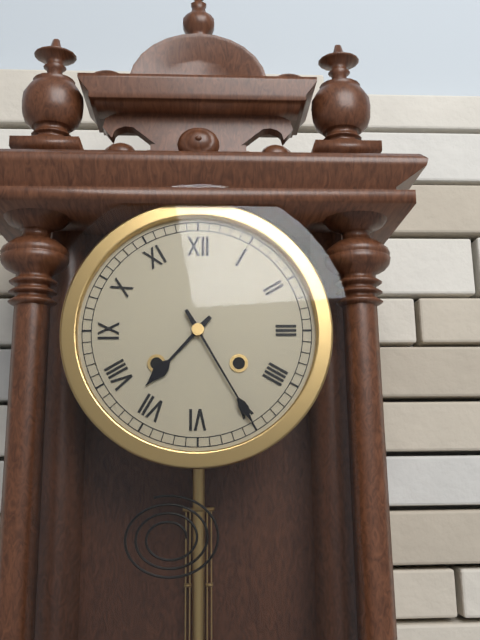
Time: **7:25**
